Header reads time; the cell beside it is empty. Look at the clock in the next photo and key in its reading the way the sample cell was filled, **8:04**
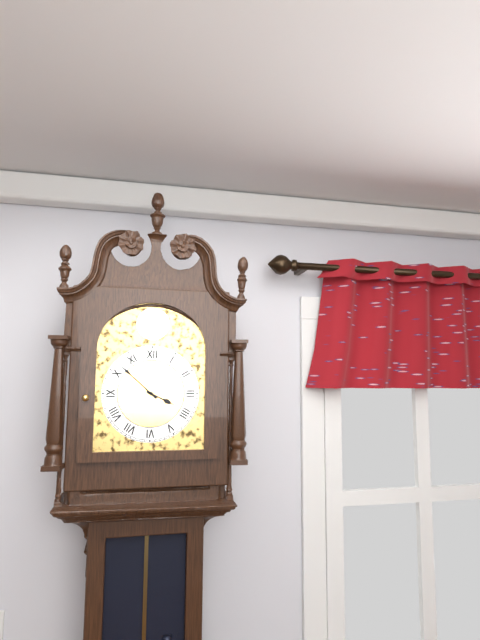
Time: **3:52**
